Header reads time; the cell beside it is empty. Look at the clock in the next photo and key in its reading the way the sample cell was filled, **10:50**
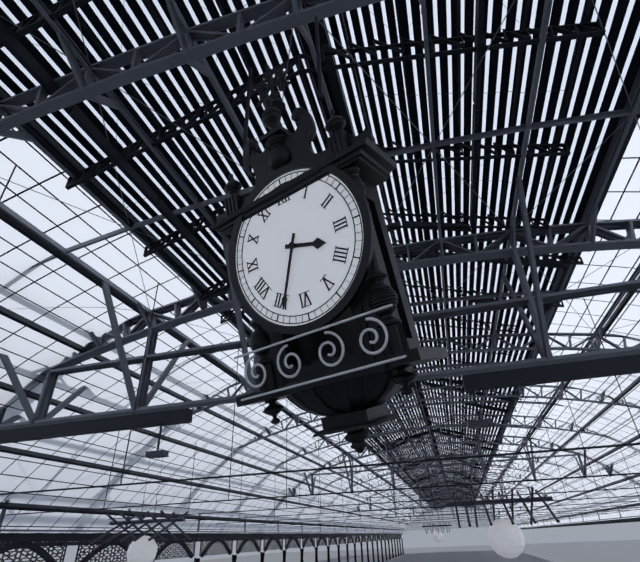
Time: **3:34**
